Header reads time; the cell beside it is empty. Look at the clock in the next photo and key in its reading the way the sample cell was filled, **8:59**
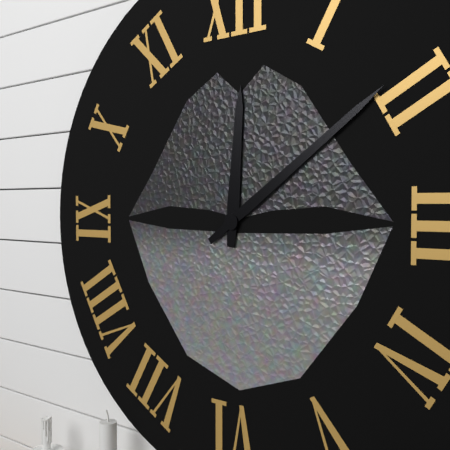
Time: **12:09**
